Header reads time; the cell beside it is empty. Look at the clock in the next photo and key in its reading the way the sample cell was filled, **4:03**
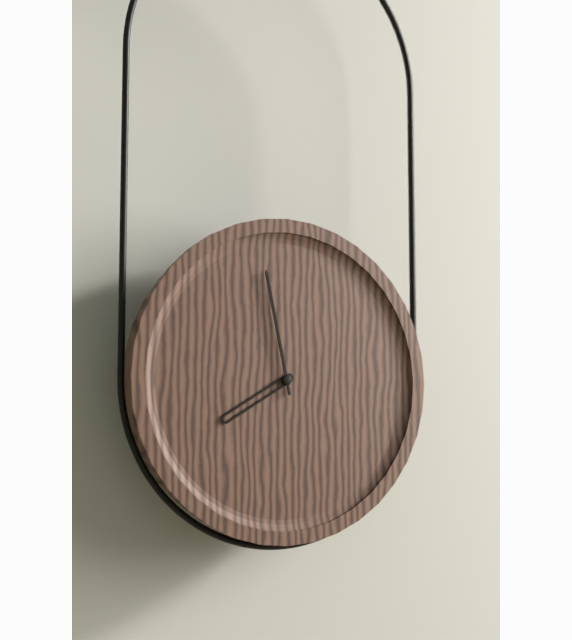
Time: **7:58**
